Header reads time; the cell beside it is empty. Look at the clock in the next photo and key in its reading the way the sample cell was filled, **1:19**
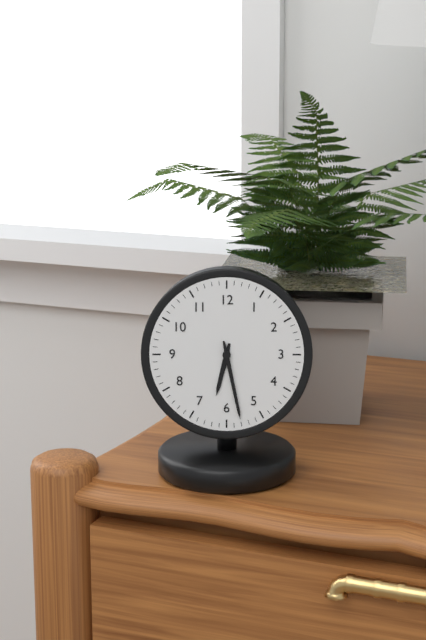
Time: **6:28**
